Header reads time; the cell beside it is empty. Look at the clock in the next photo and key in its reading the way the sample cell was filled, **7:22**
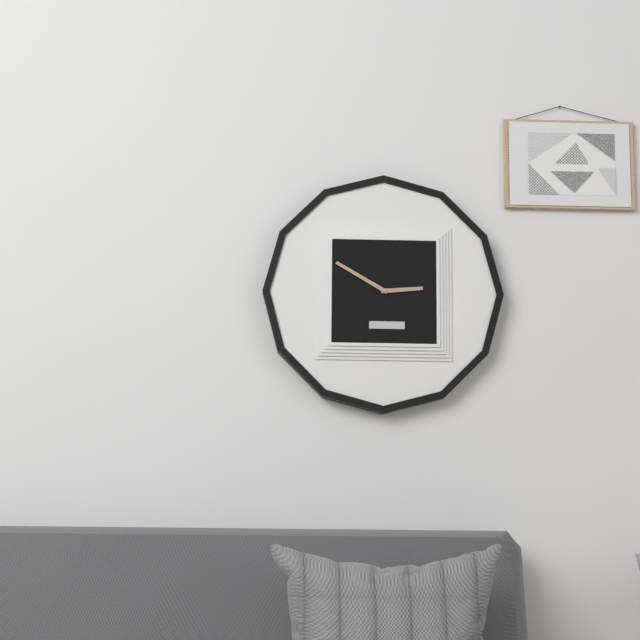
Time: **2:50**
